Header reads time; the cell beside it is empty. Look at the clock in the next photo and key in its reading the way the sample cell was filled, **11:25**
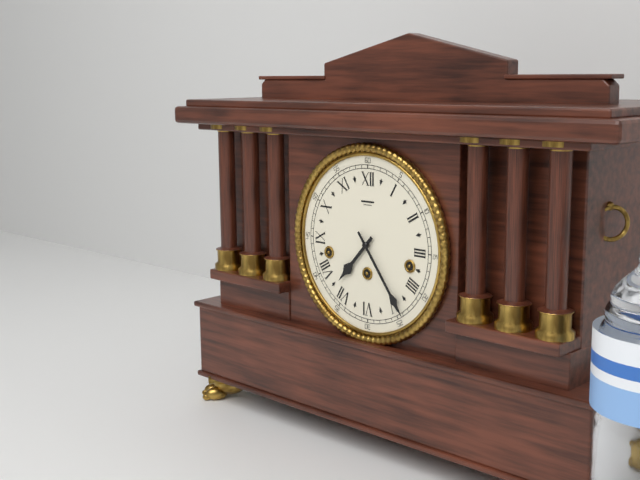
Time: **7:24**
